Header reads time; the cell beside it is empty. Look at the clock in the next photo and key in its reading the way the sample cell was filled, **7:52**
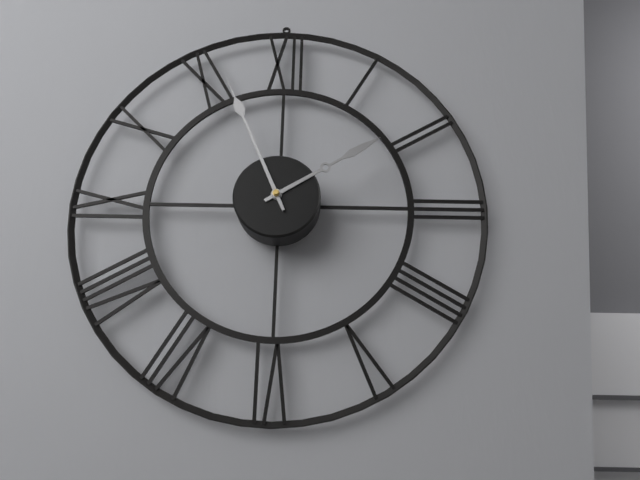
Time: **1:56**
